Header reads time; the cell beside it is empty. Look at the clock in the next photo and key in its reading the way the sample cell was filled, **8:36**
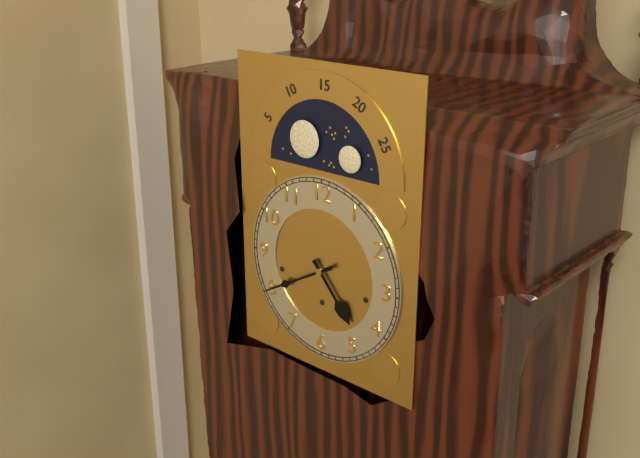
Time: **4:40**
